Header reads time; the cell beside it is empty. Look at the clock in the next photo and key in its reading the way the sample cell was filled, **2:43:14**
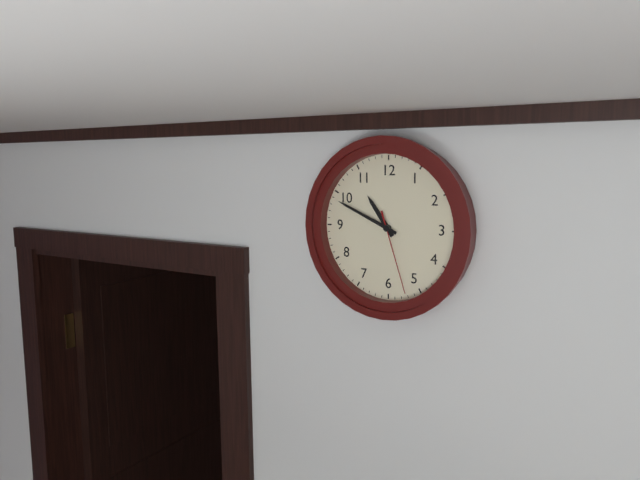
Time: **10:49:27**
